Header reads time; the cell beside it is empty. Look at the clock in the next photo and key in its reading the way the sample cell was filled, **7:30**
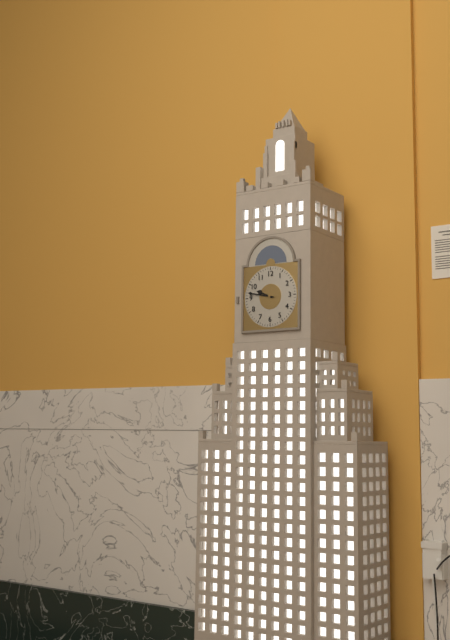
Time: **9:47**
